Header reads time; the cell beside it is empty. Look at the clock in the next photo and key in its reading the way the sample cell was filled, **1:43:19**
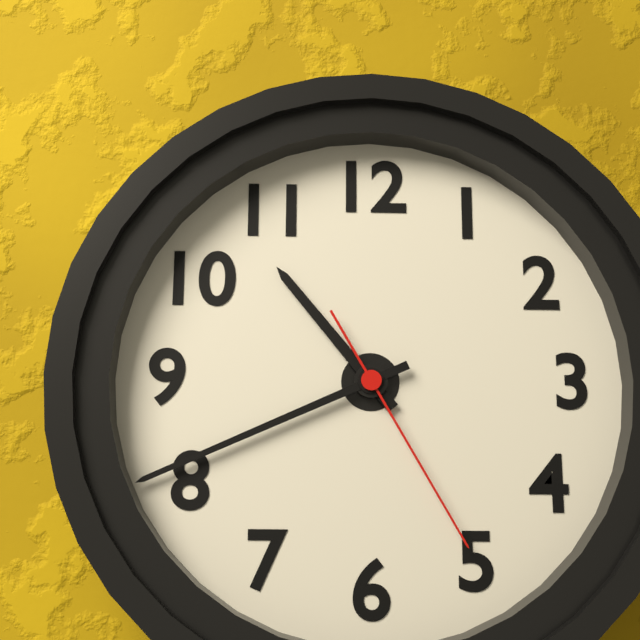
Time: **10:41:25**
